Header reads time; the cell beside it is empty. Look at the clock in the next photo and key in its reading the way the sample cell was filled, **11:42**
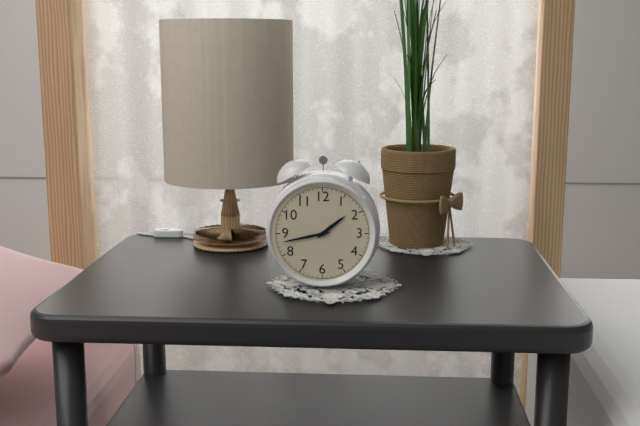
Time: **1:43**
